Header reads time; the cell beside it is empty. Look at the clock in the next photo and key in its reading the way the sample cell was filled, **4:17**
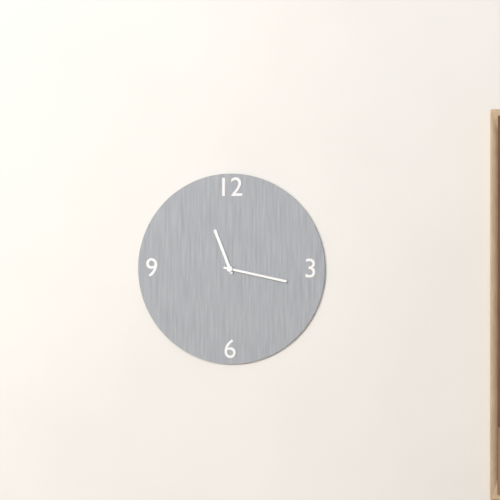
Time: **11:17**
